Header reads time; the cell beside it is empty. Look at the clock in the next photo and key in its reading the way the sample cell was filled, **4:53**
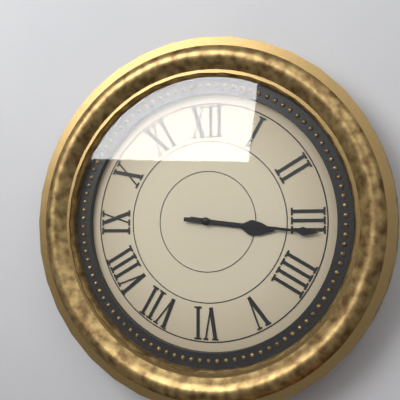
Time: **3:16**
